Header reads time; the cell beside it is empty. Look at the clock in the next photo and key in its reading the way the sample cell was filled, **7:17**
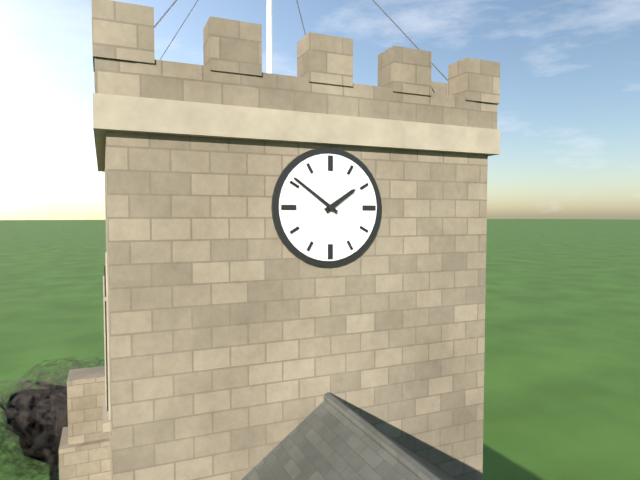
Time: **1:51**
